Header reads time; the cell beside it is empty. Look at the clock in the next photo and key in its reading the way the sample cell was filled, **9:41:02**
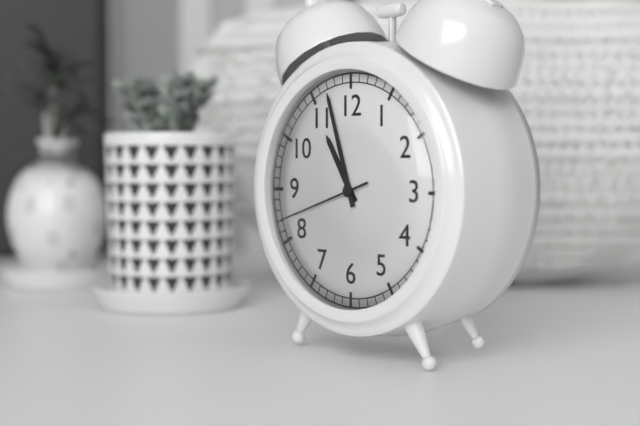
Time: **10:57:42**
